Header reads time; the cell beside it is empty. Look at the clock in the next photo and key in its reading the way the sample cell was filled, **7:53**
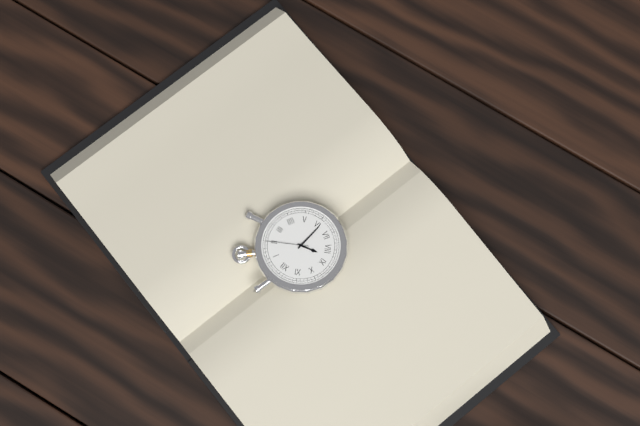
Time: **8:31**
